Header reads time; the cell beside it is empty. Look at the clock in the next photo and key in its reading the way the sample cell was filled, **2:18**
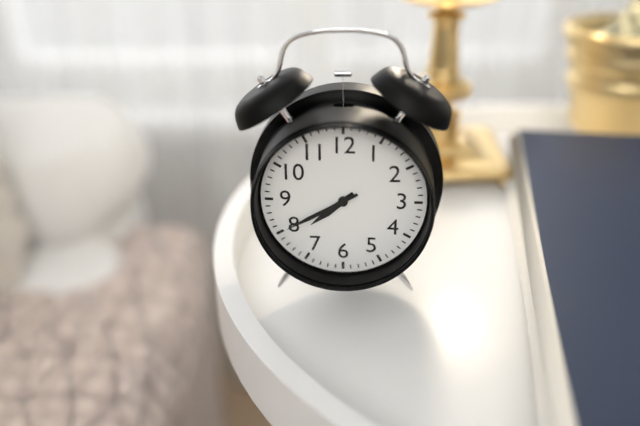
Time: **7:40**
